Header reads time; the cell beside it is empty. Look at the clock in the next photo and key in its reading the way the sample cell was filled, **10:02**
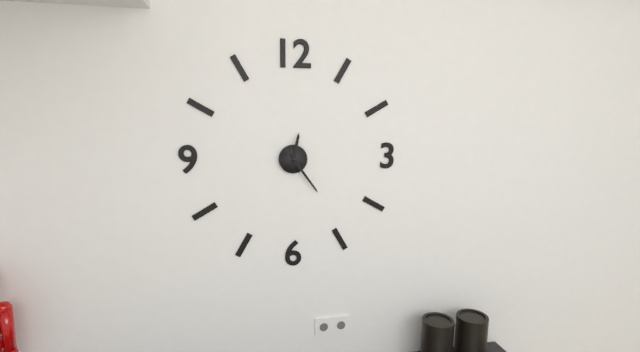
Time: **12:24**
